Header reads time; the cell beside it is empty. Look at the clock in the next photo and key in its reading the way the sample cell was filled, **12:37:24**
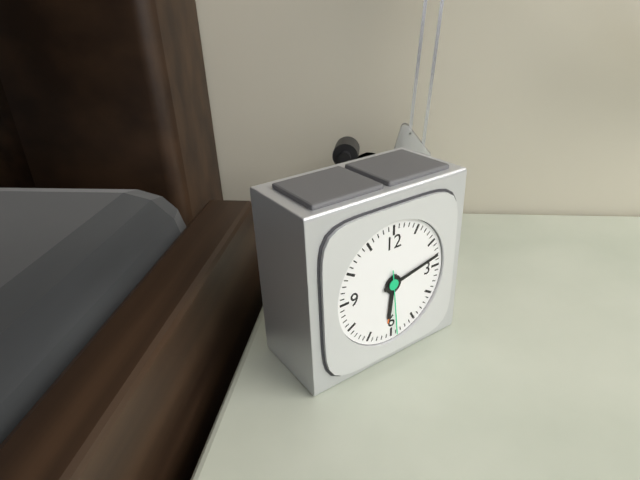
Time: **6:13:29**
